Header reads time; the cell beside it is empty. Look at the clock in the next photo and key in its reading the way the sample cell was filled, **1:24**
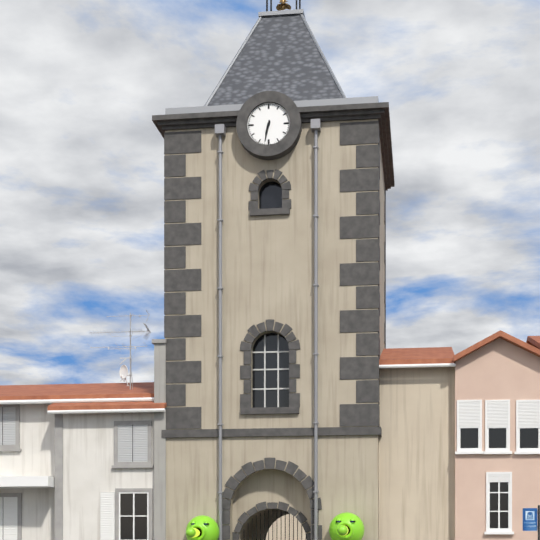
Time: **6:32**
